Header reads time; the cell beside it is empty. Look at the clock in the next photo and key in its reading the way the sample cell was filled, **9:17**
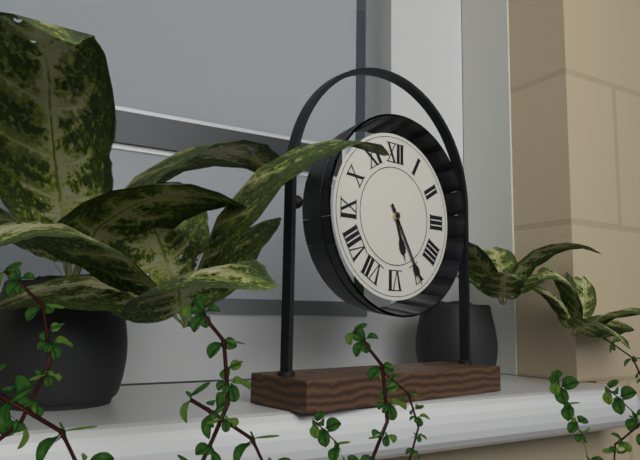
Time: **5:25**
